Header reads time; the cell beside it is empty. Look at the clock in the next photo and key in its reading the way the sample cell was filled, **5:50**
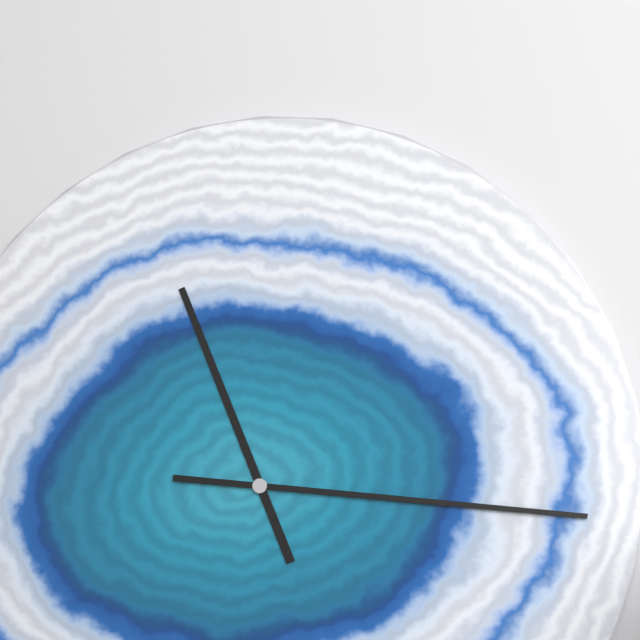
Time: **11:16**
